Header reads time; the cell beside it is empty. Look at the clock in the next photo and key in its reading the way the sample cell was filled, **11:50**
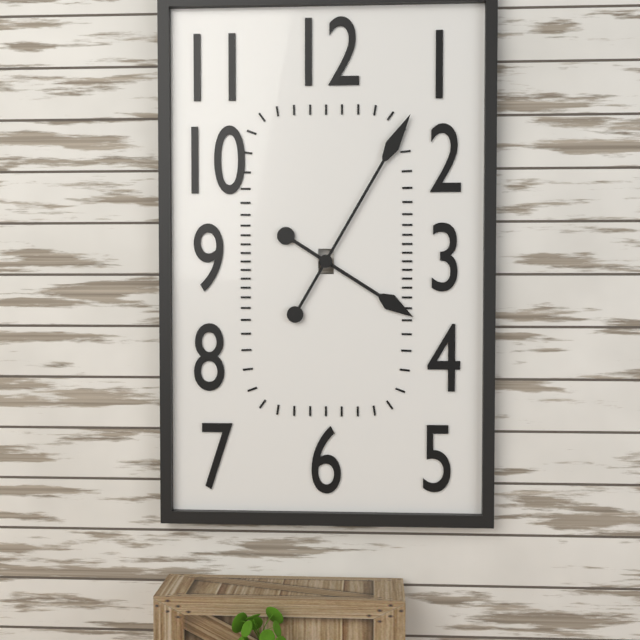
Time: **4:05**
